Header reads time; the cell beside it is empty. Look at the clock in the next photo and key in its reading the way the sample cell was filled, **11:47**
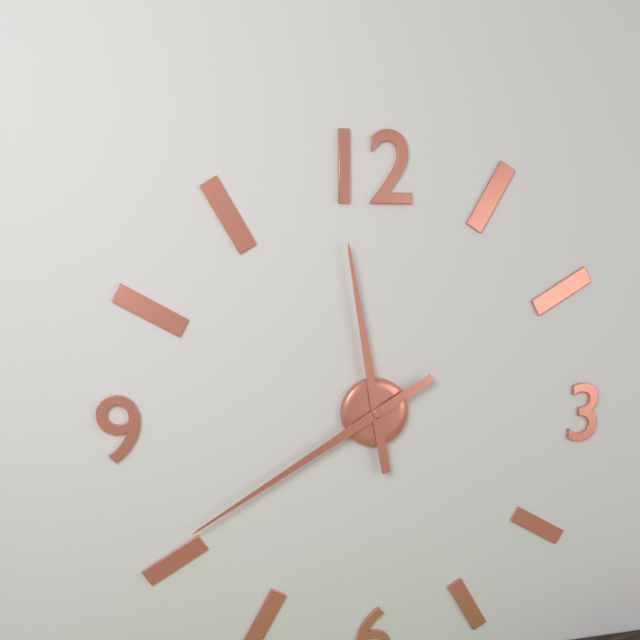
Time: **11:40**
